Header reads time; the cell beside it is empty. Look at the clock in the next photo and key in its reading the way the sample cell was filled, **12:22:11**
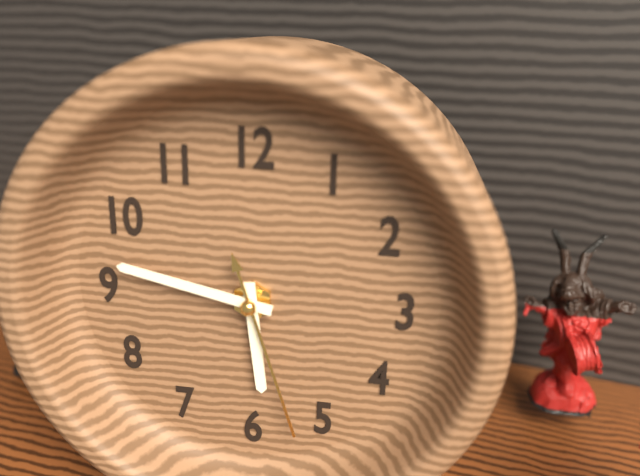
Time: **5:47:27**
